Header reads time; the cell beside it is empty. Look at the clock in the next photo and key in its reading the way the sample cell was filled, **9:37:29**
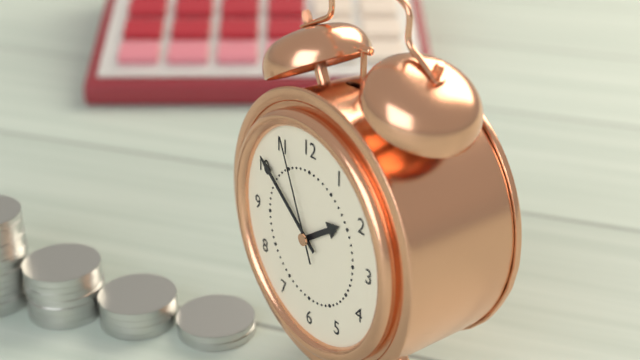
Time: **1:51:56**
